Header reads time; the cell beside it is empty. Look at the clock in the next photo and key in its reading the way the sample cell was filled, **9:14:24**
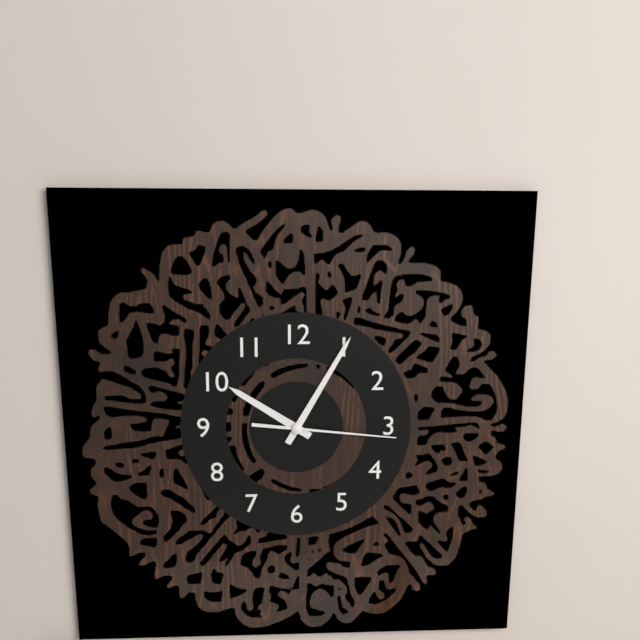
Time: **10:05:16**
